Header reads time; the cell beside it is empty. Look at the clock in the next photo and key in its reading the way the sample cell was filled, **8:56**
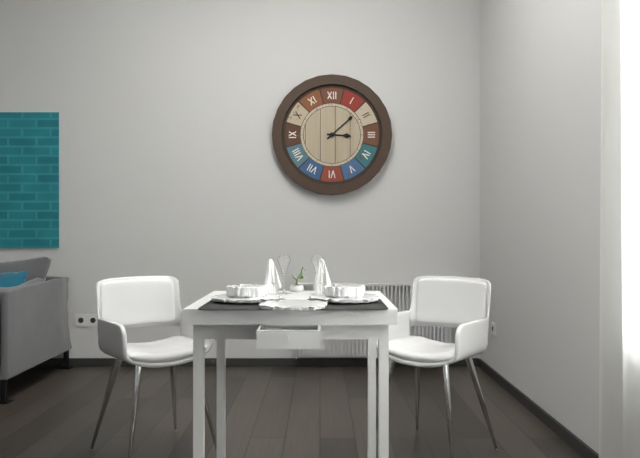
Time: **3:08**
